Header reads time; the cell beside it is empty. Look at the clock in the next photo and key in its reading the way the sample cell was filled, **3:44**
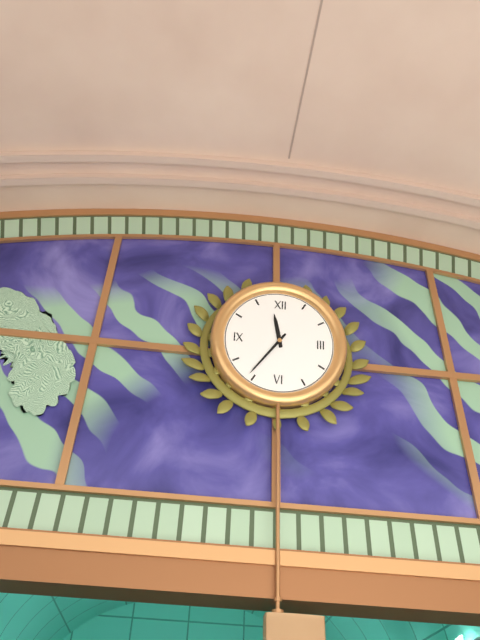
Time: **11:36**
